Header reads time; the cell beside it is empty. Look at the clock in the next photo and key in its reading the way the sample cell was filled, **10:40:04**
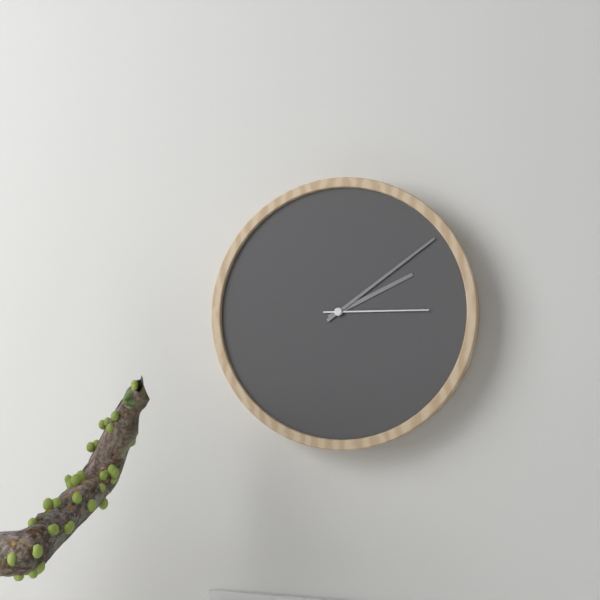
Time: **2:09:15**
